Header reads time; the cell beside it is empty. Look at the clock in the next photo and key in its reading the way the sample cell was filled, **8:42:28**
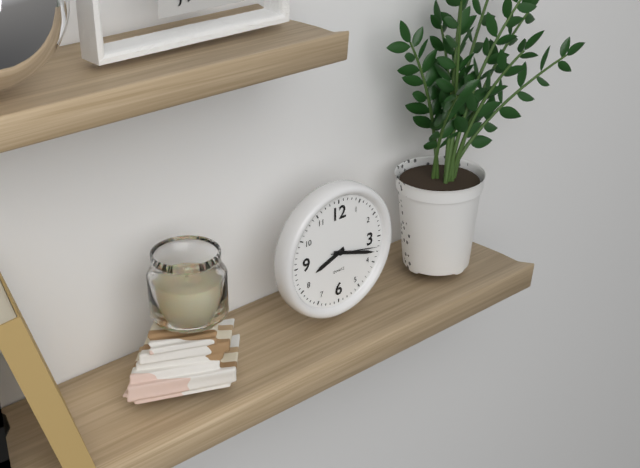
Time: **8:18:17**
